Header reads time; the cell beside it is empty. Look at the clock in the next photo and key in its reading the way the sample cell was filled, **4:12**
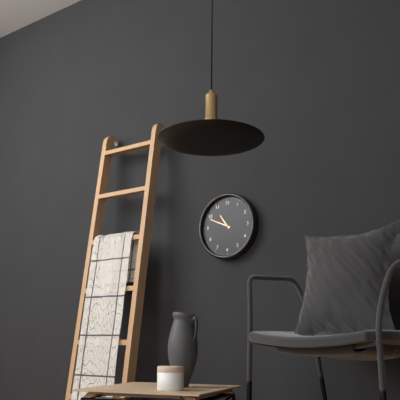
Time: **10:49**
